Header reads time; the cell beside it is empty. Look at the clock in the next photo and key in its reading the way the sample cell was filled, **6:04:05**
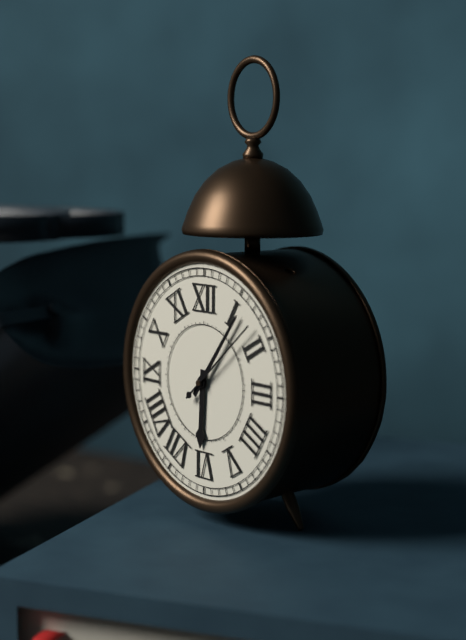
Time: **6:06:08**
